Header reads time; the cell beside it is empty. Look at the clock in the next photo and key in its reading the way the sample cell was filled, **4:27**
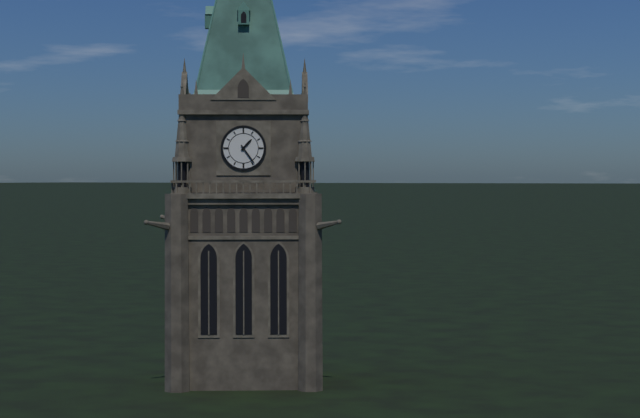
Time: **1:24**
